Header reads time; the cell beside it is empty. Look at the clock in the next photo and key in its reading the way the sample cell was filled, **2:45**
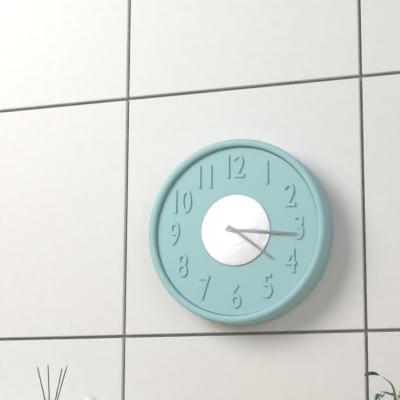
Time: **4:16**
